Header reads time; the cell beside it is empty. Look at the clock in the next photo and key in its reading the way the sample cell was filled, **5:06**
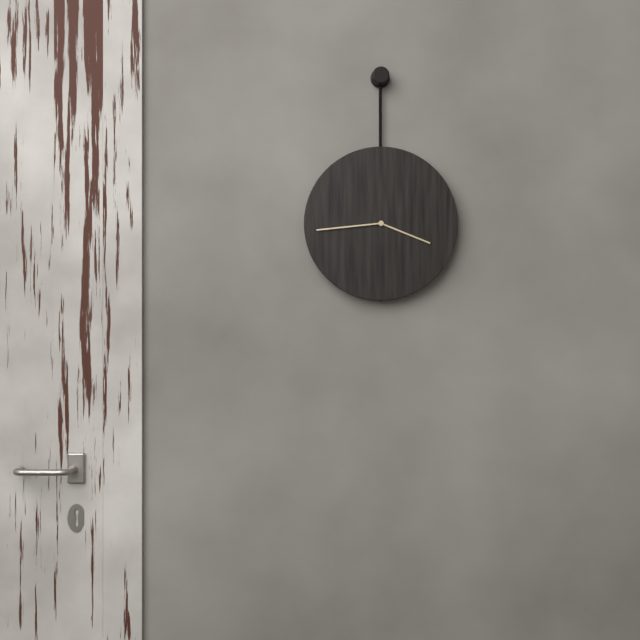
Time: **3:44**
